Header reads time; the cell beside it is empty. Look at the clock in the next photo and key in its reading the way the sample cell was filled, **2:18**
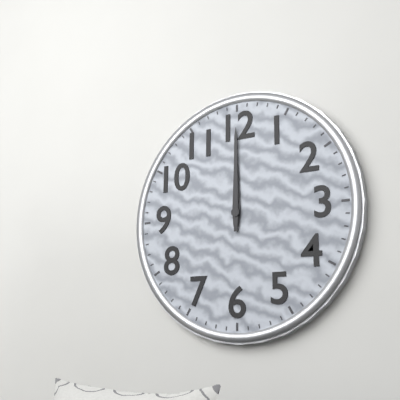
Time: **12:00**
